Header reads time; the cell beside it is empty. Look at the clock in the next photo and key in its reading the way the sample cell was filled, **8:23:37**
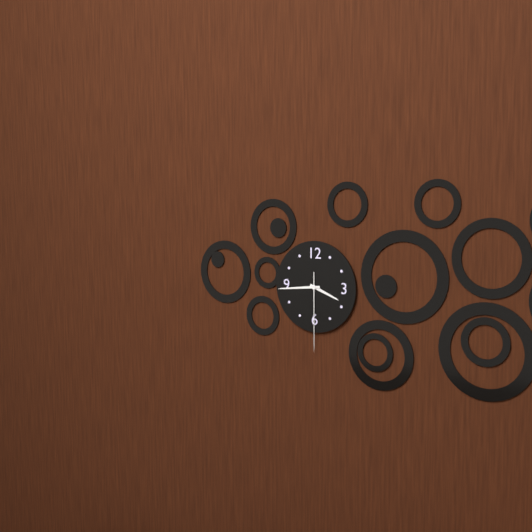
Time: **3:44:30**
